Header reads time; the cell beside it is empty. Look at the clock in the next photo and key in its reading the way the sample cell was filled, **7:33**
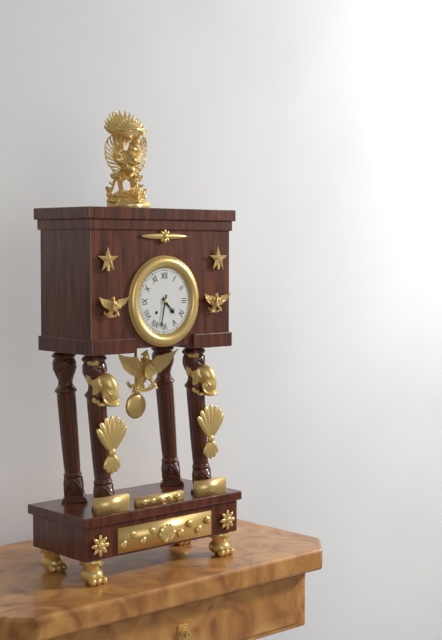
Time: **4:32**
